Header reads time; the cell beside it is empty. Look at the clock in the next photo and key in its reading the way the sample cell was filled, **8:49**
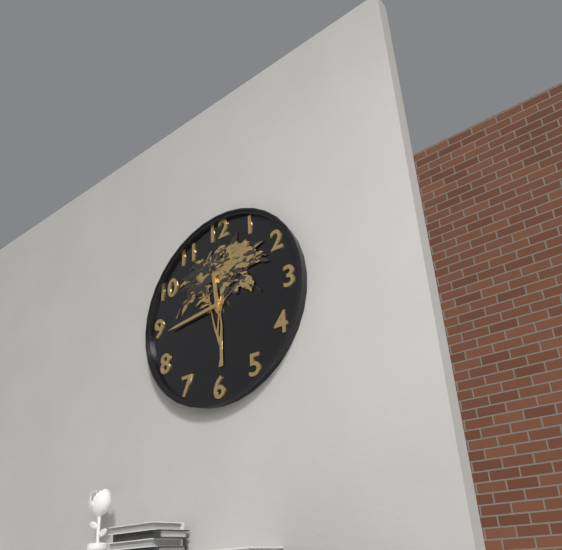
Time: **11:44**
